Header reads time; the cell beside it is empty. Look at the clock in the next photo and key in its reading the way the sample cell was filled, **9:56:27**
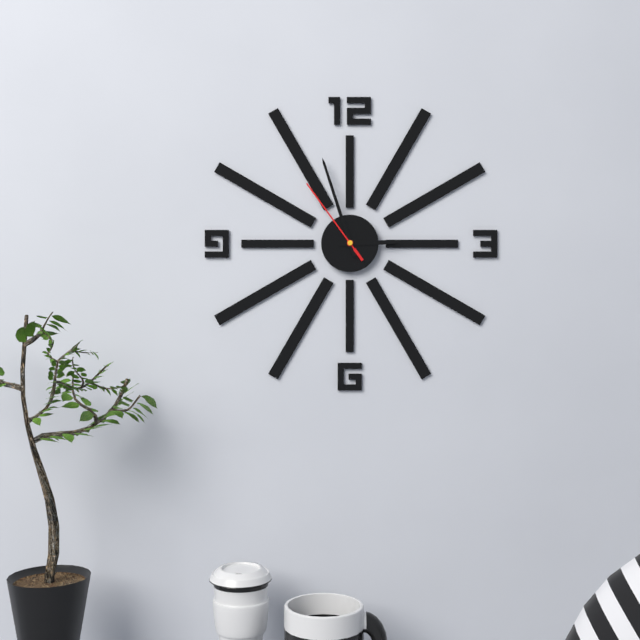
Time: **2:57:54**
